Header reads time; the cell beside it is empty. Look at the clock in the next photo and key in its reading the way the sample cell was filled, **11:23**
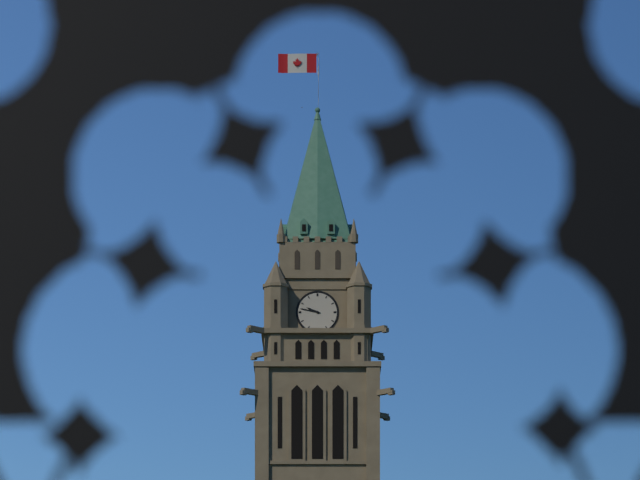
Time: **9:47**
